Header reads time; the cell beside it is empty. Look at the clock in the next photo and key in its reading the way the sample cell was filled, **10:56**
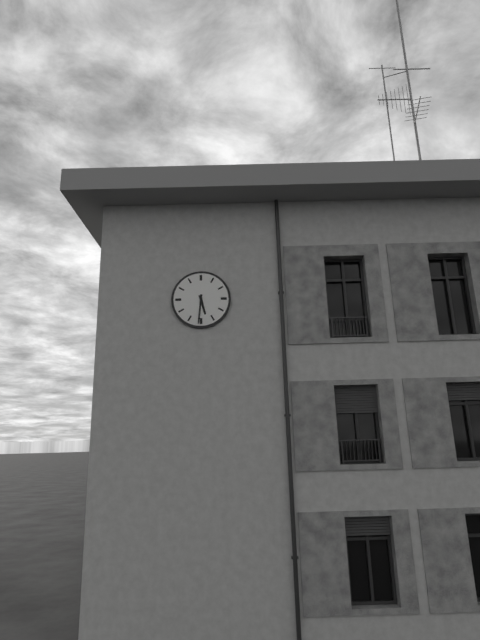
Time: **5:31**
